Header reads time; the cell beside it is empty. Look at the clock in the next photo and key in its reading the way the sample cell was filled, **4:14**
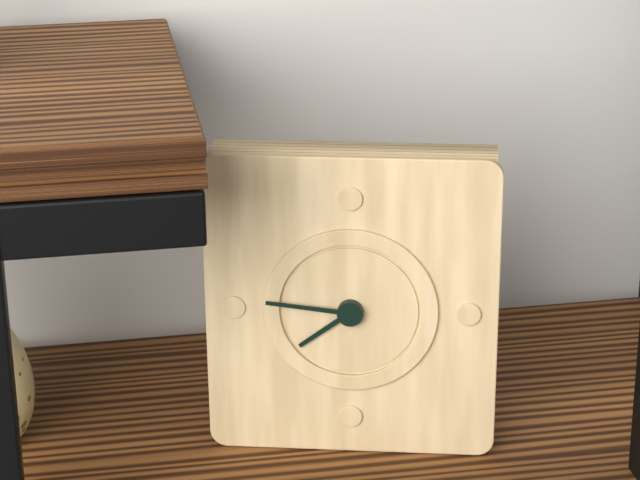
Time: **7:46**
